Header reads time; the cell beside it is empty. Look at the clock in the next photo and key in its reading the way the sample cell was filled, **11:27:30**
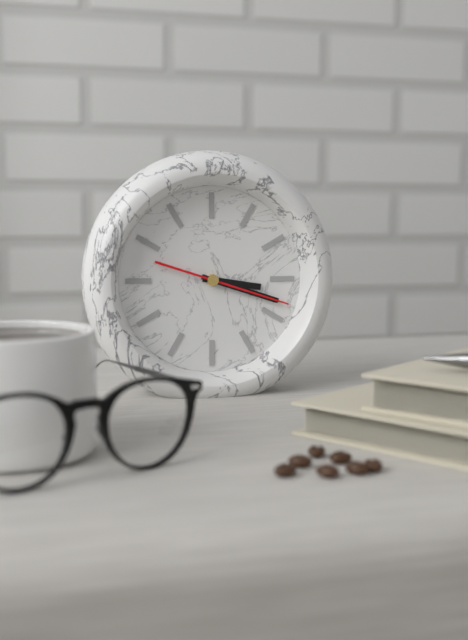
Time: **3:18:18**
